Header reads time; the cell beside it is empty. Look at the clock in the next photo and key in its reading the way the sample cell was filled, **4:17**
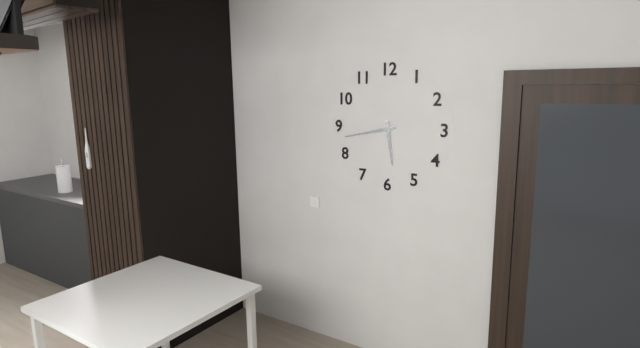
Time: **5:43**
